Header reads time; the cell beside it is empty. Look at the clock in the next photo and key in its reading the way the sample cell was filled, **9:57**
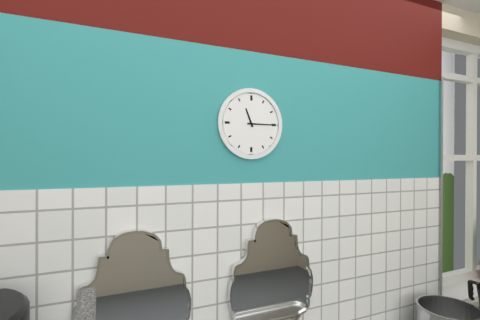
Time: **11:15**
